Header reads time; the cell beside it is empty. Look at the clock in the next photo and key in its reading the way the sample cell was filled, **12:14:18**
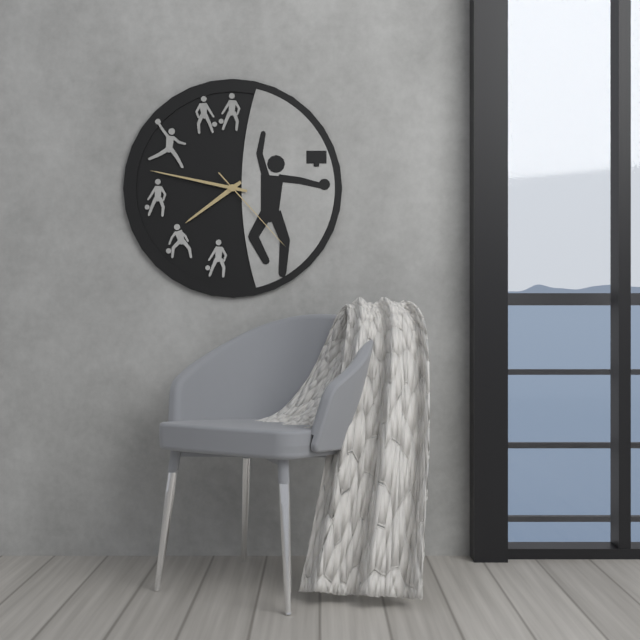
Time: **7:47:23**
